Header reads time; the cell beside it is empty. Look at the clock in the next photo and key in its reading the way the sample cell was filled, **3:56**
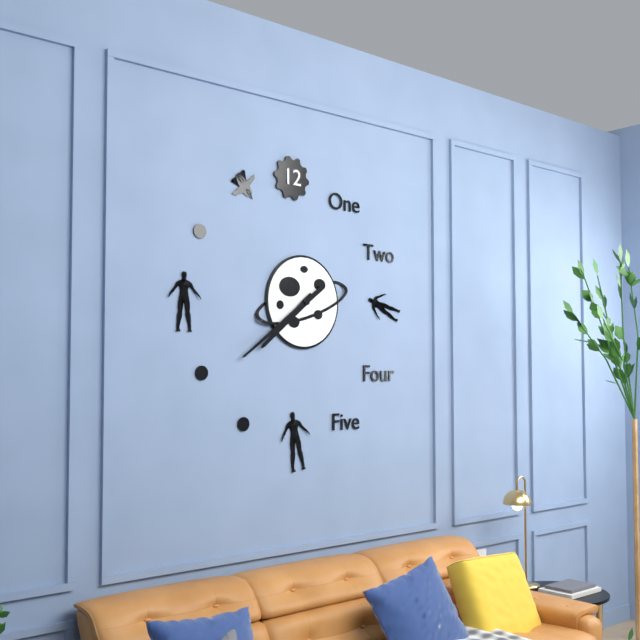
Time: **7:39**
